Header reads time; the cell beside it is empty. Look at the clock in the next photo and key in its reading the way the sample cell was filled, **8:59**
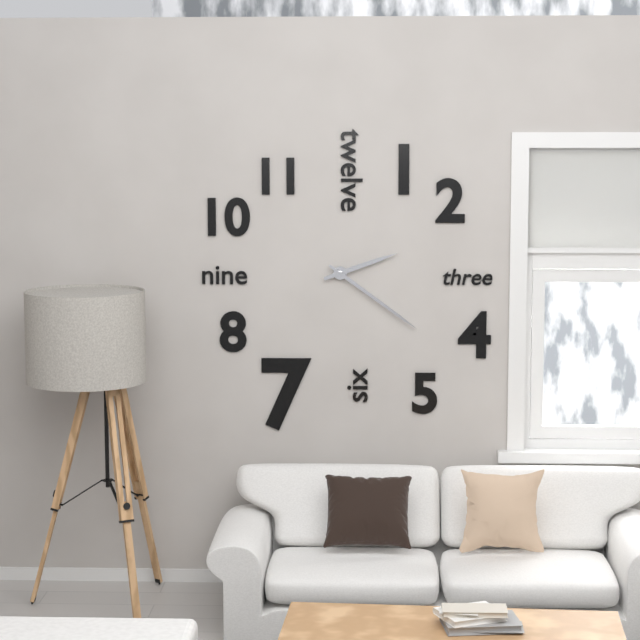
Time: **2:21**
